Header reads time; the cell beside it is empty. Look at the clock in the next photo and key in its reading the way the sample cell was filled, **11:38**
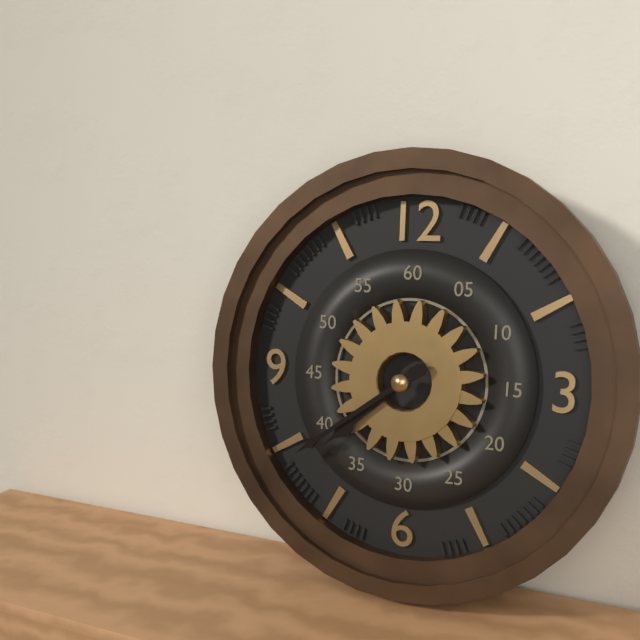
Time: **7:39**
